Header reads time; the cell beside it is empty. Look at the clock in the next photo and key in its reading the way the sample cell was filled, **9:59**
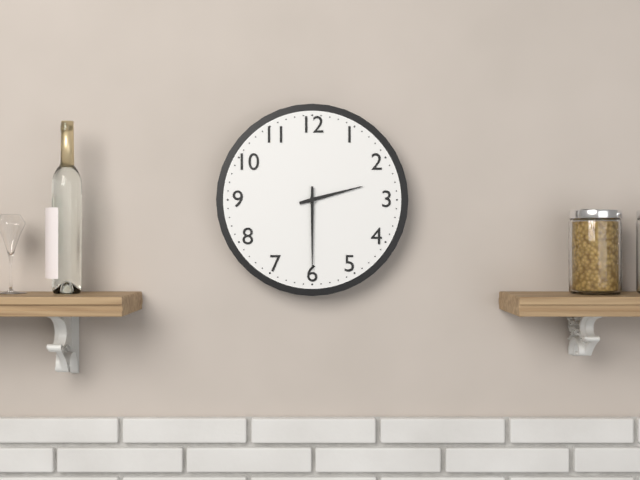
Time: **2:30**
